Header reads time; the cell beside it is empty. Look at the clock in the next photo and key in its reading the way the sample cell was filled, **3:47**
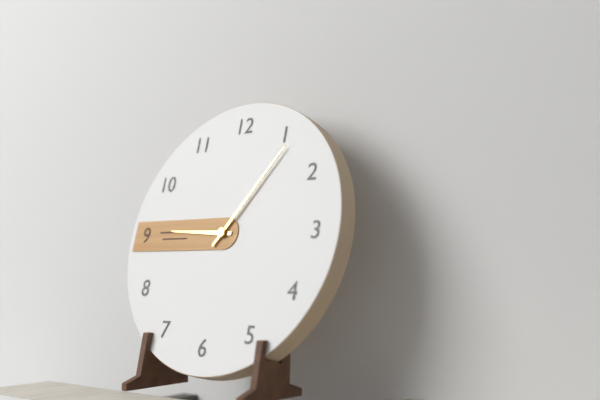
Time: **9:06**
